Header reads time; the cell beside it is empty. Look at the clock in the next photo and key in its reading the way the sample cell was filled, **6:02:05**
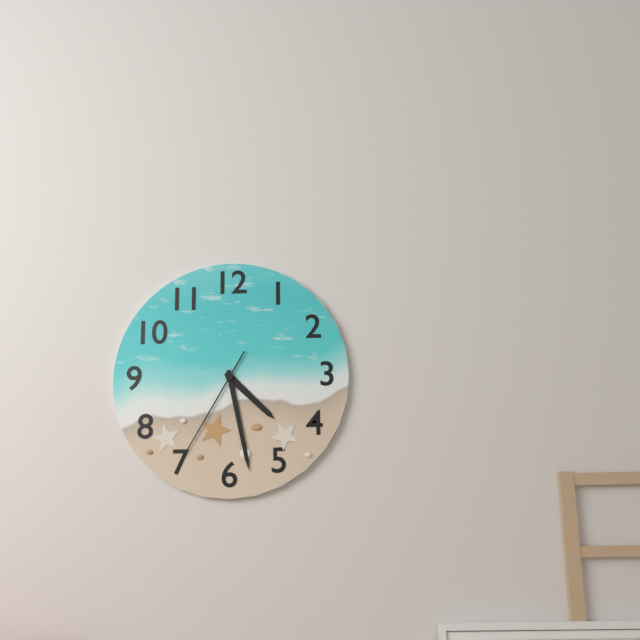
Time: **4:28:35**
